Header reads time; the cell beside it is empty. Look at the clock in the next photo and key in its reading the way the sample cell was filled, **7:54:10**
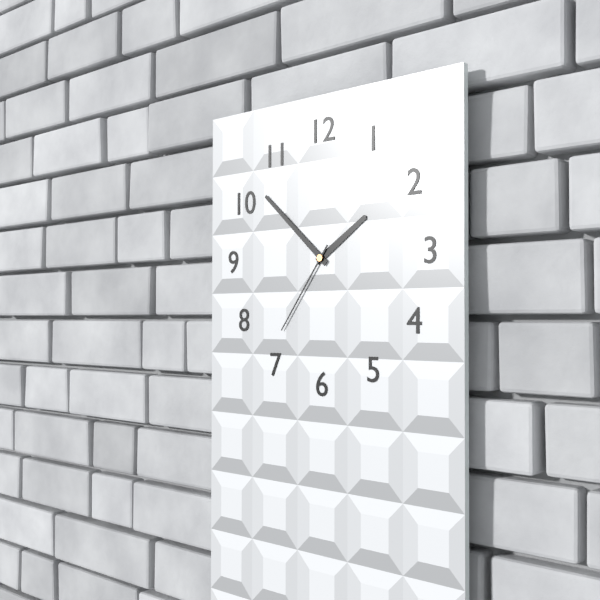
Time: **1:52:36**
